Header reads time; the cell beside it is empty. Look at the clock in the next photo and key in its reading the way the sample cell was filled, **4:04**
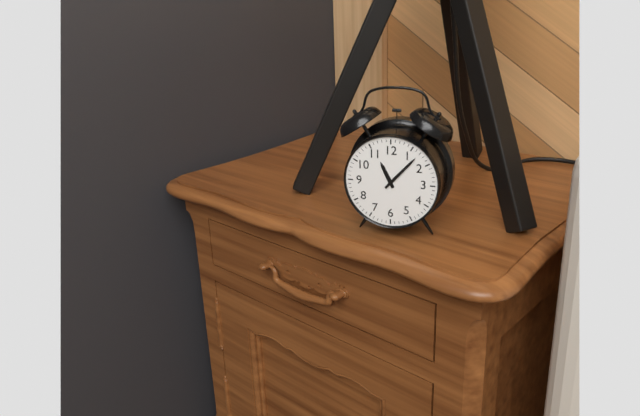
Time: **11:07**
